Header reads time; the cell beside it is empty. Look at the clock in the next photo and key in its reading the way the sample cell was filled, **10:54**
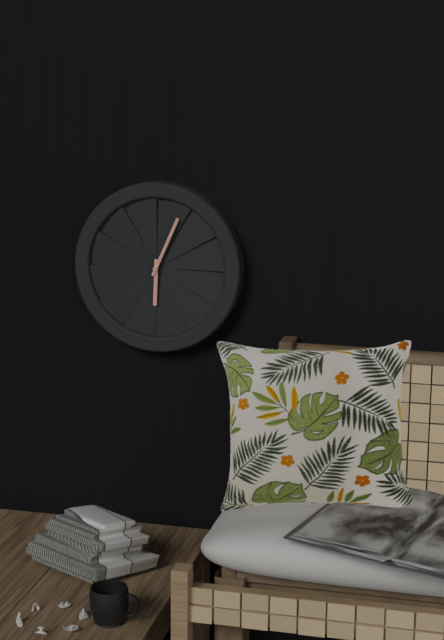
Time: **6:04**
